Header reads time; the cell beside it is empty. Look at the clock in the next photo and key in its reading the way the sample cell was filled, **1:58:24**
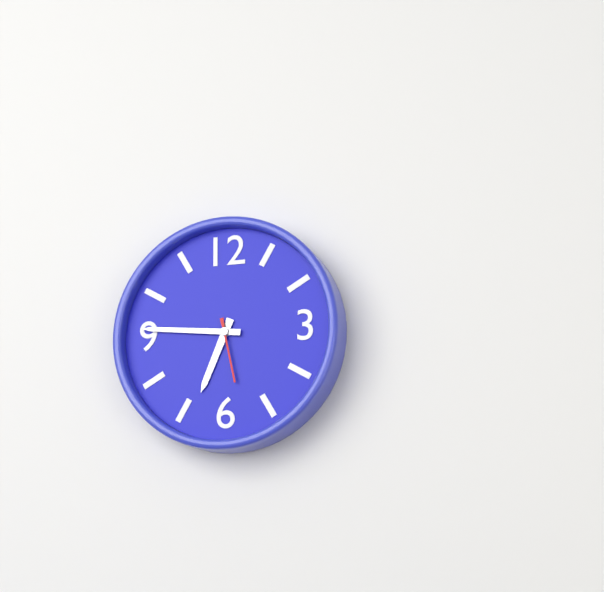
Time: **6:46:28**
